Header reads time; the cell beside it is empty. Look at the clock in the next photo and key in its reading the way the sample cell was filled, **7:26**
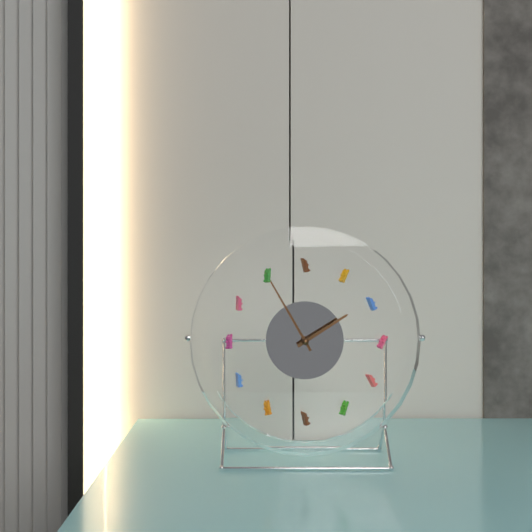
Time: **1:55**
